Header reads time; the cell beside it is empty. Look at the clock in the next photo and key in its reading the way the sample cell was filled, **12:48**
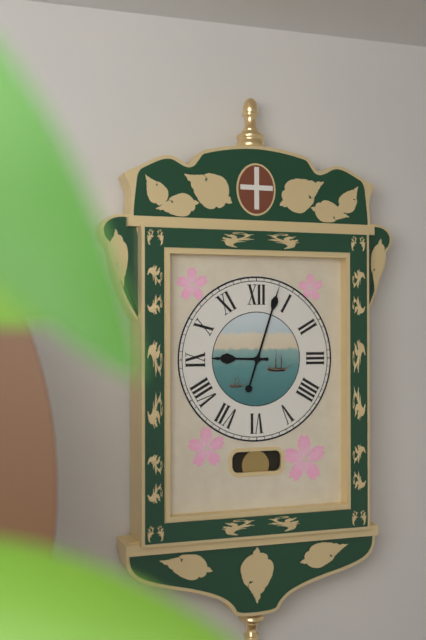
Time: **9:03**
